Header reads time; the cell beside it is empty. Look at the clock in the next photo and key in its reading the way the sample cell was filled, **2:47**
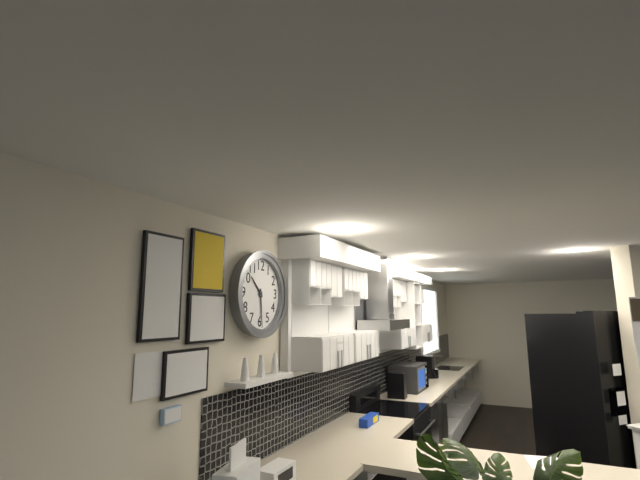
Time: **10:29**
